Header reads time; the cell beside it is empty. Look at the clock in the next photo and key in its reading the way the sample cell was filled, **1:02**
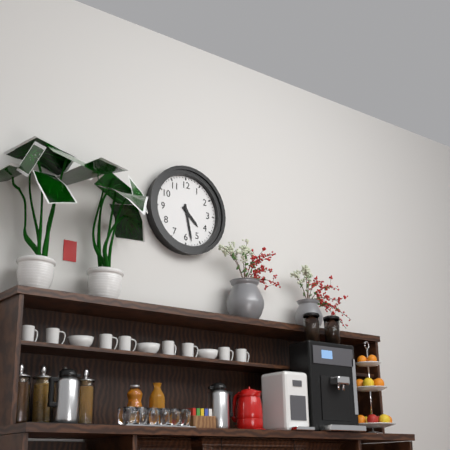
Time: **4:28**
